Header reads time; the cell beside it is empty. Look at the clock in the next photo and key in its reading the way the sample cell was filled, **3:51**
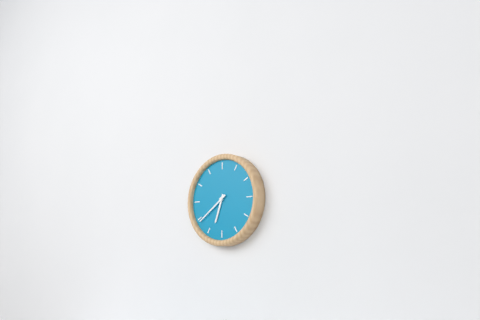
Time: **6:39**
